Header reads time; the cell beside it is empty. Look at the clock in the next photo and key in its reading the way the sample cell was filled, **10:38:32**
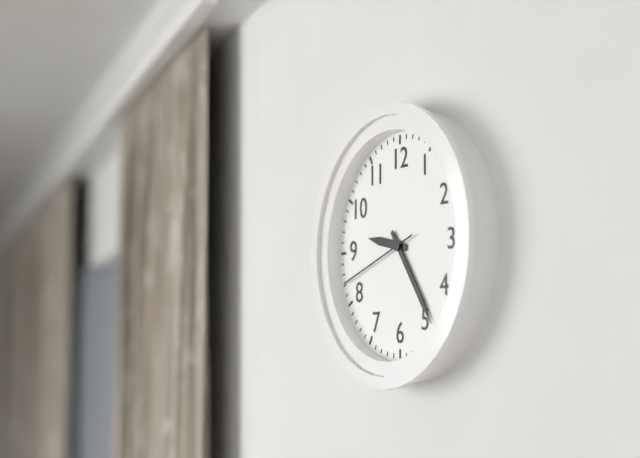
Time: **9:24:42**
